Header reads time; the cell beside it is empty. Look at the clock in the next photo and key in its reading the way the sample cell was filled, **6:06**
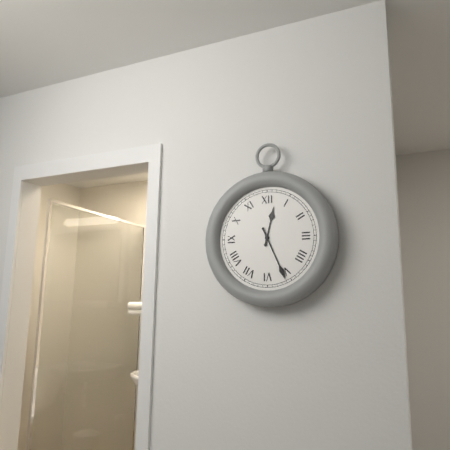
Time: **12:26**
